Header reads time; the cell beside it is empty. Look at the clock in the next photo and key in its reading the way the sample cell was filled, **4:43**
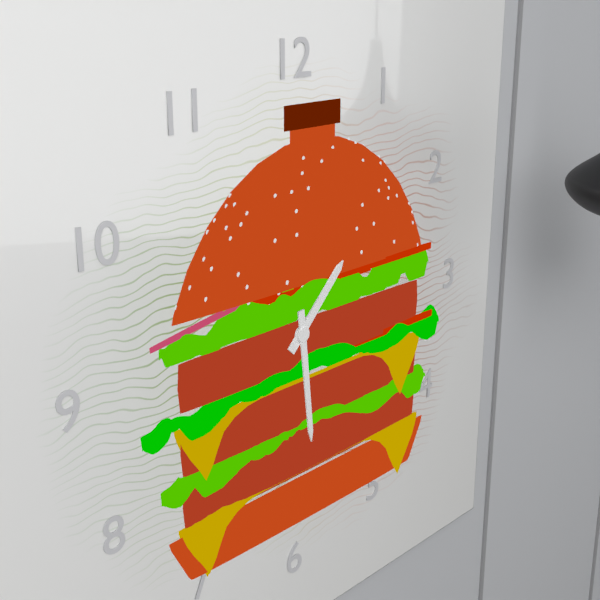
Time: **1:29**
